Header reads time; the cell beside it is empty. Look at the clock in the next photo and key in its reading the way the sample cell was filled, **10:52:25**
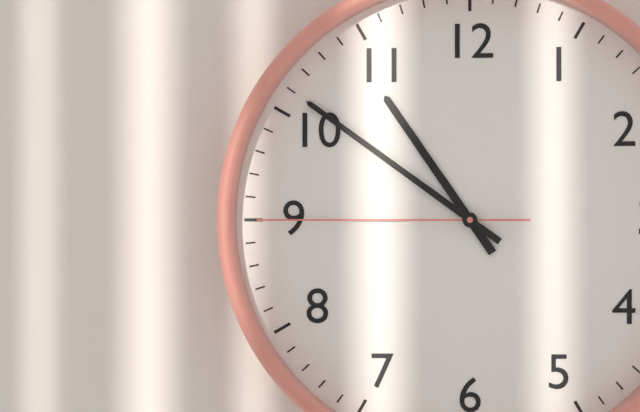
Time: **10:51:45**
